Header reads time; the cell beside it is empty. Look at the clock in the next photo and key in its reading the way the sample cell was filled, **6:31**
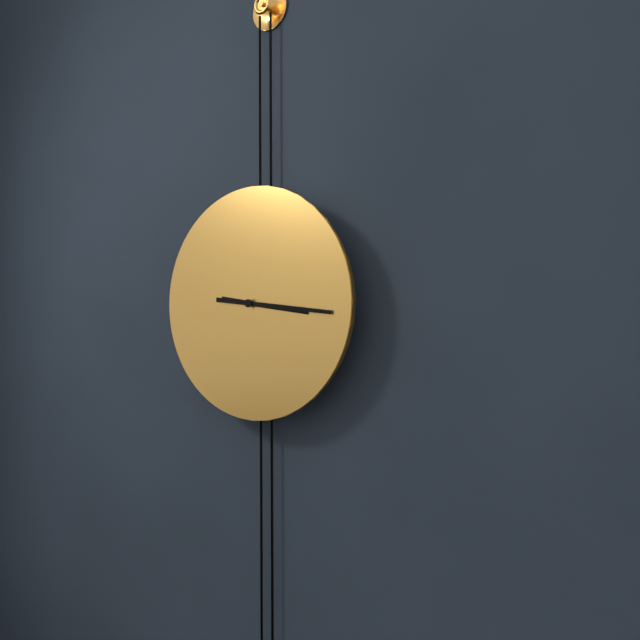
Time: **3:16**
